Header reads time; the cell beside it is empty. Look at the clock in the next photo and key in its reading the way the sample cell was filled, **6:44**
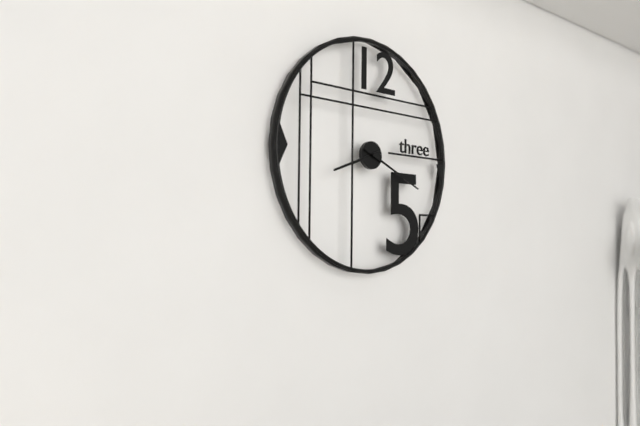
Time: **8:19**
